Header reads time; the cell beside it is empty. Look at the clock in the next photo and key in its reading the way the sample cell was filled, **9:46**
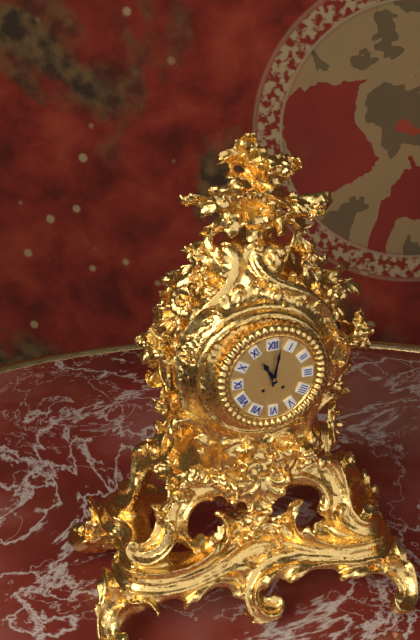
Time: **11:02**
